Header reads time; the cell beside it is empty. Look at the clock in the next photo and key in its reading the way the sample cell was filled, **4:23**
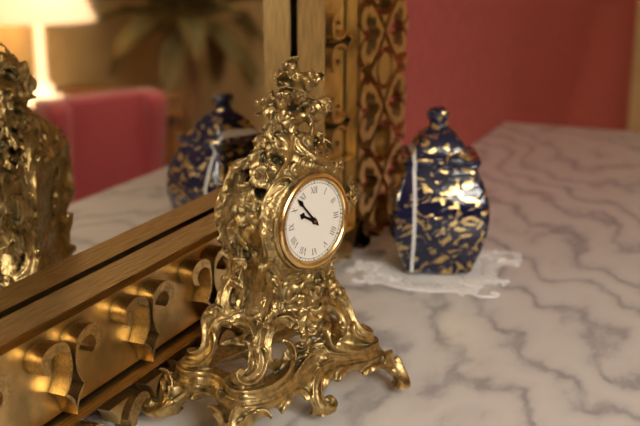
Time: **9:53**
